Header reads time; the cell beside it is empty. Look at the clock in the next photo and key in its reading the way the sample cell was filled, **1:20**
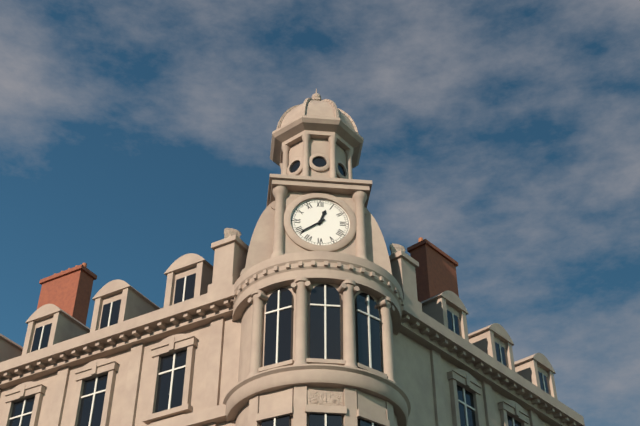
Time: **12:39**
